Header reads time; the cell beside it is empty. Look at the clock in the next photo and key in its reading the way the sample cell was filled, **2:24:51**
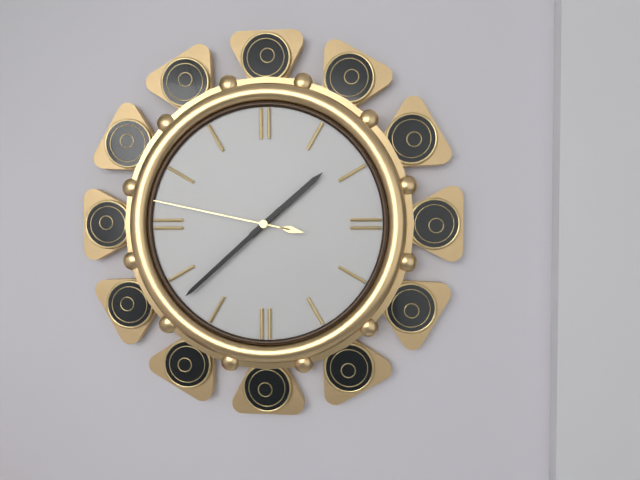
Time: **1:38:47**
